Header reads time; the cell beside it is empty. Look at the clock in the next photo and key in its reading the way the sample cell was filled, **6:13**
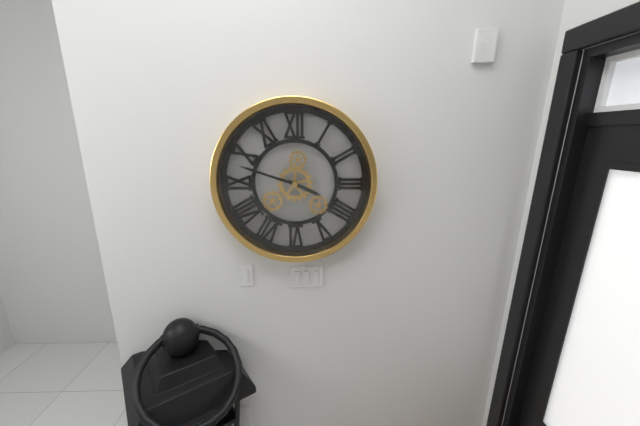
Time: **3:48**
